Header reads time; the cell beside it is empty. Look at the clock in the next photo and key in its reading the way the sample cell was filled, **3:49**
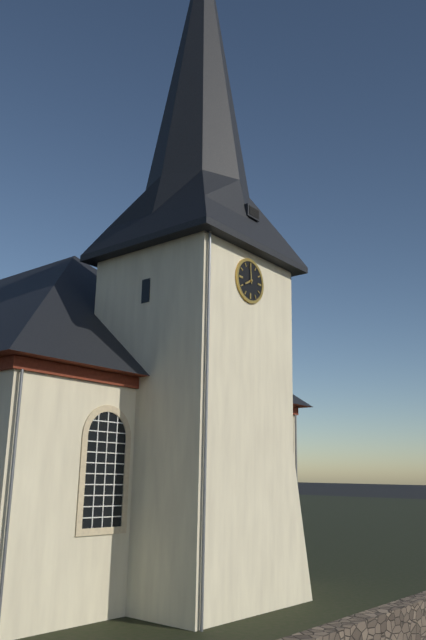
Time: **7:59**
